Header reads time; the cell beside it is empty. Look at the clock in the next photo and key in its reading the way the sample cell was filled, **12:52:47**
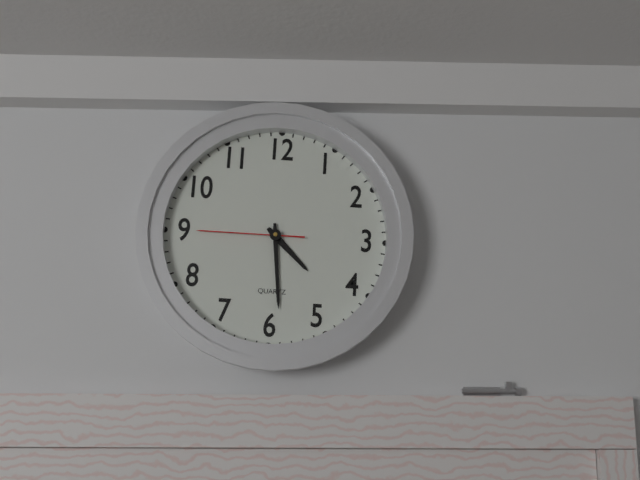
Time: **4:29:45**
